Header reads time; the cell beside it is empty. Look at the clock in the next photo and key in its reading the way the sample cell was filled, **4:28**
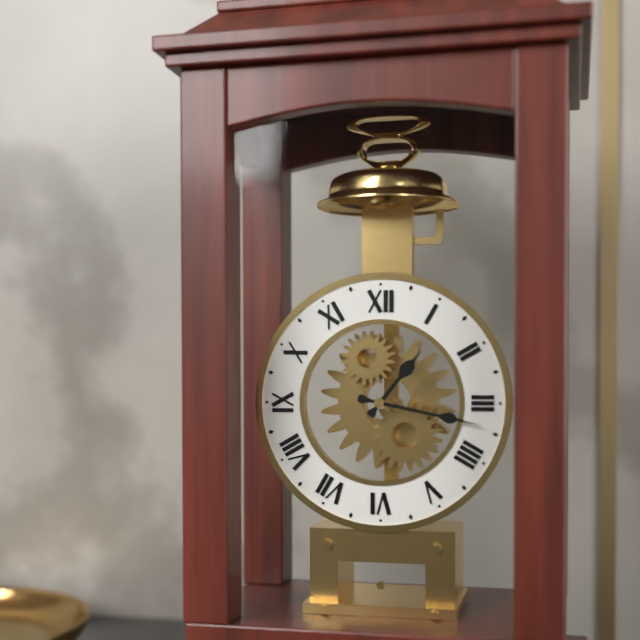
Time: **1:17**
